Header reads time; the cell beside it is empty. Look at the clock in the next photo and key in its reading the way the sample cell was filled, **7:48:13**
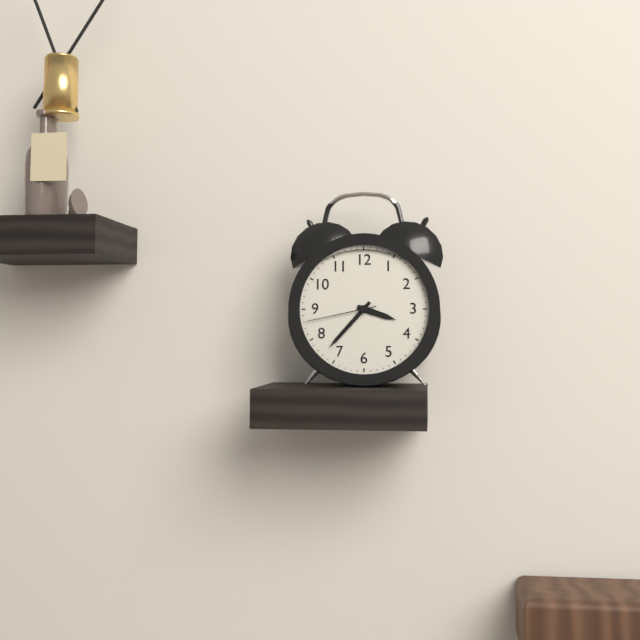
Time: **3:37:43**
